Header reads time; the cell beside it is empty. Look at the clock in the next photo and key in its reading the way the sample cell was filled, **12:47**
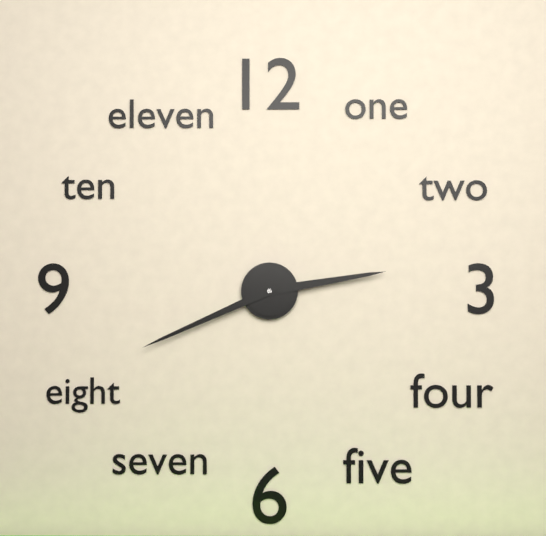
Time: **2:41**
